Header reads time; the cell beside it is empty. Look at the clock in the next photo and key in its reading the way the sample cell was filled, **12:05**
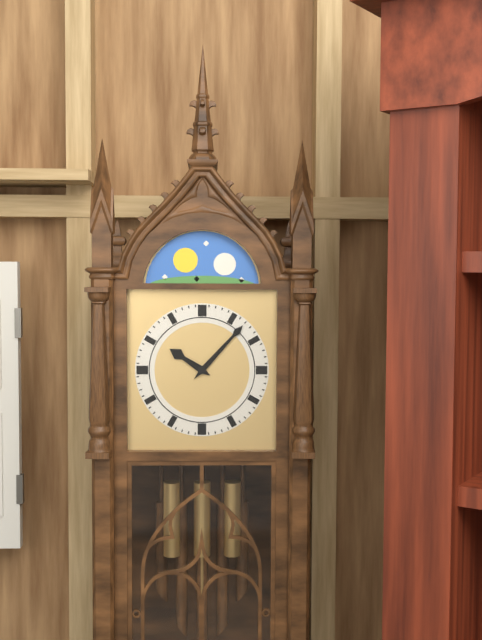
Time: **10:07**
